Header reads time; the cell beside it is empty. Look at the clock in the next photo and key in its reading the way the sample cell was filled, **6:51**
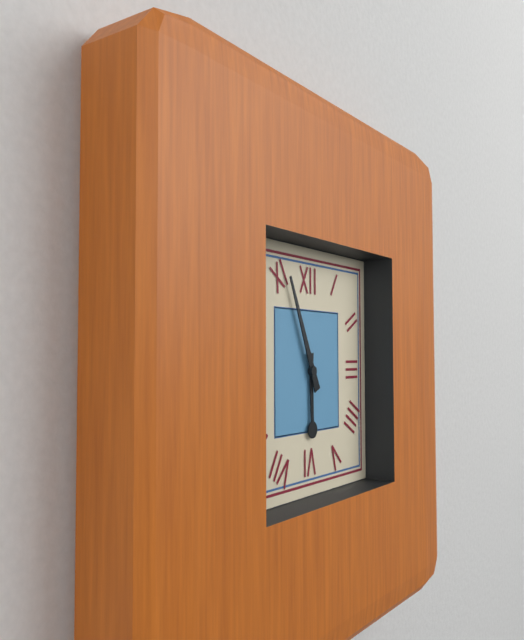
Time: **5:56**
